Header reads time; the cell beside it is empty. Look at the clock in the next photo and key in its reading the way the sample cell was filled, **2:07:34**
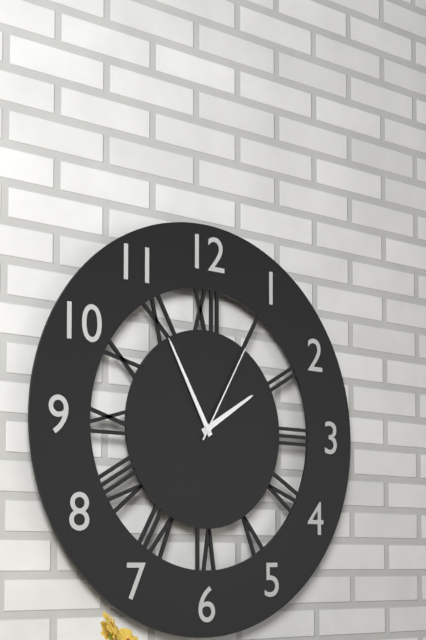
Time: **1:55:05**
